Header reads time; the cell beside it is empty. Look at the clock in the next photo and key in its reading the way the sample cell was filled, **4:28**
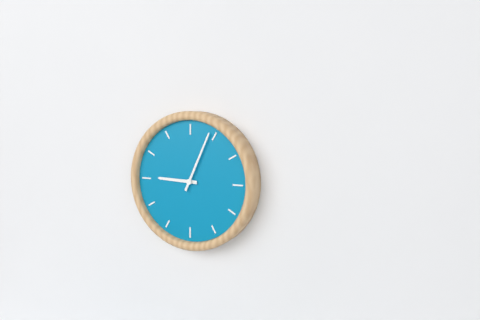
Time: **9:04**
